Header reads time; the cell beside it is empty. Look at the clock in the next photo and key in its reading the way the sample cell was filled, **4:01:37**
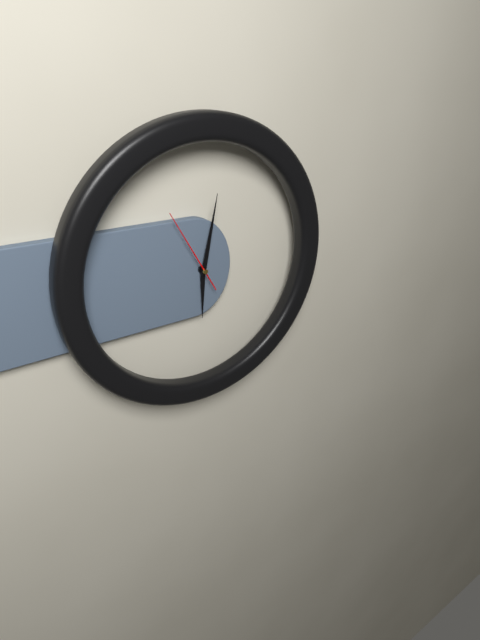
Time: **6:02:55**
